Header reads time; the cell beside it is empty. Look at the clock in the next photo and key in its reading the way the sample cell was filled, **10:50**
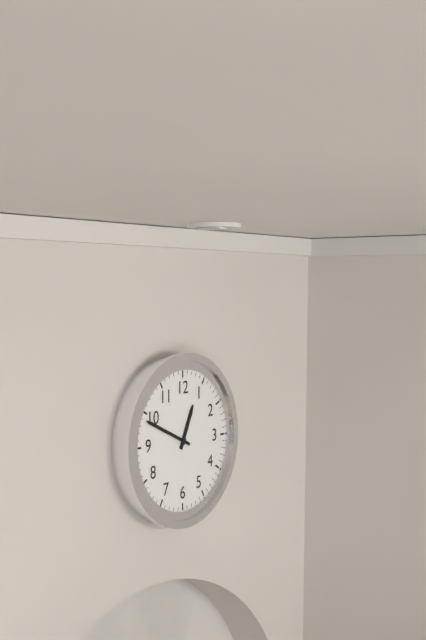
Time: **12:49**
